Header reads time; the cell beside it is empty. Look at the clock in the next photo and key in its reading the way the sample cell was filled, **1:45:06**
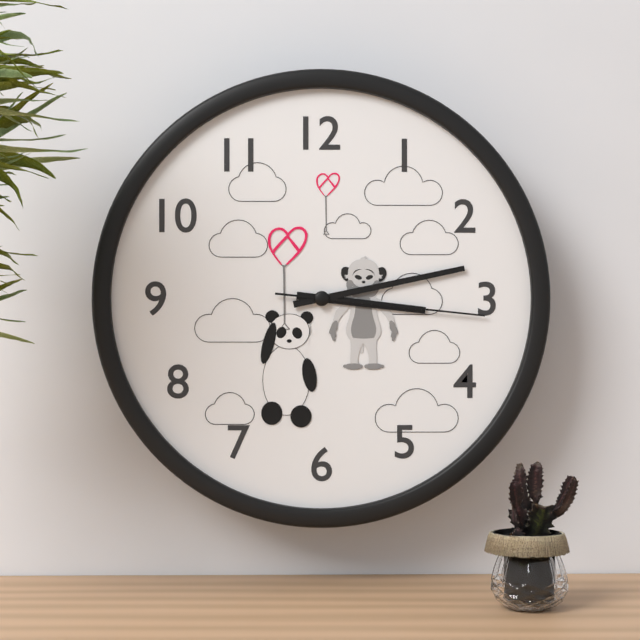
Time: **3:13:16**
